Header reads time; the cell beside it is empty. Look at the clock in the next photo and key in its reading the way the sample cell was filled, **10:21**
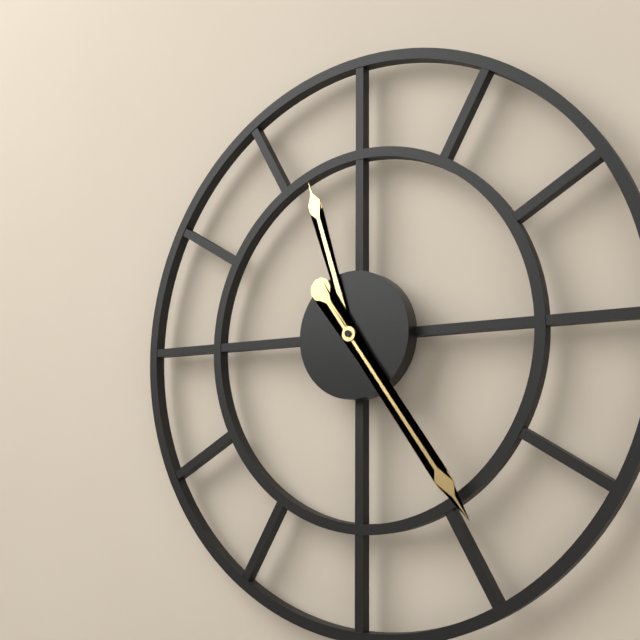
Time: **11:24**
